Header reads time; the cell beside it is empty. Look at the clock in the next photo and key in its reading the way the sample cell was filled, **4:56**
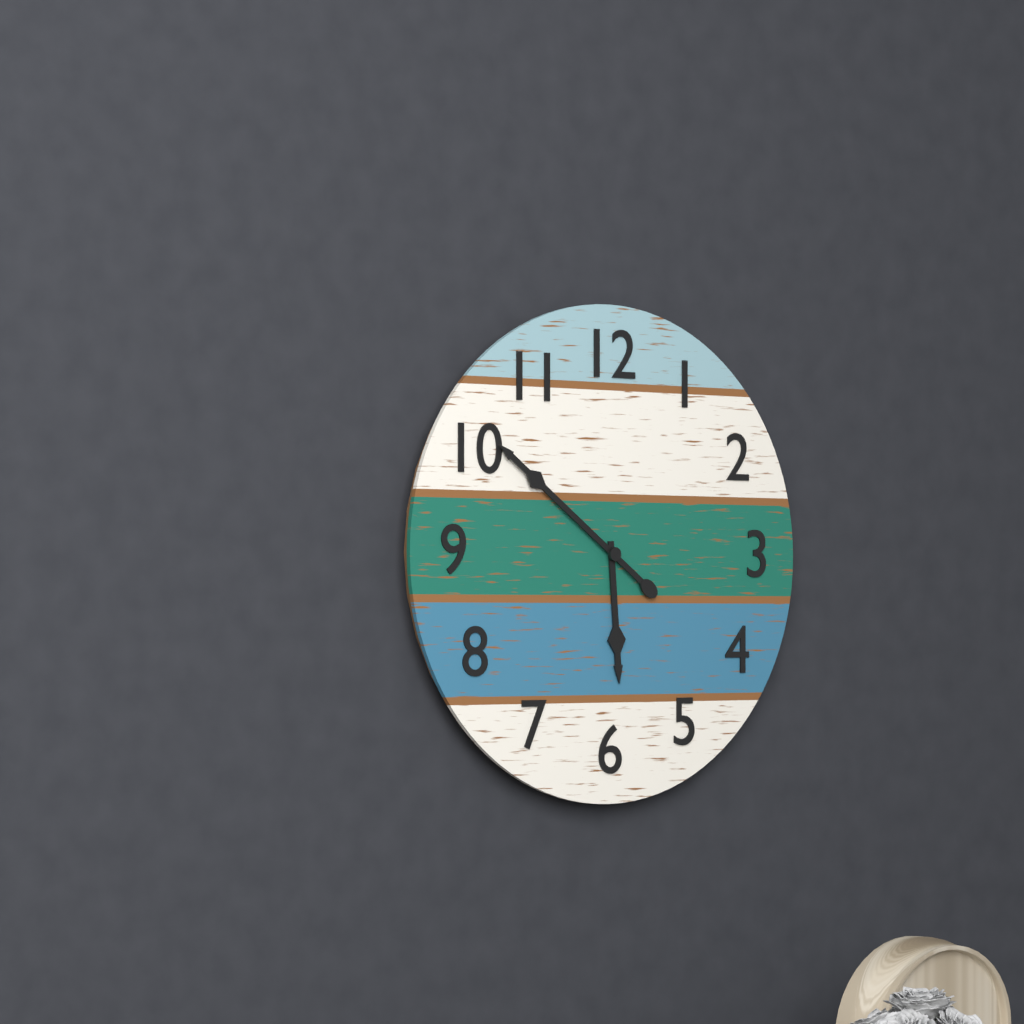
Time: **5:51**
